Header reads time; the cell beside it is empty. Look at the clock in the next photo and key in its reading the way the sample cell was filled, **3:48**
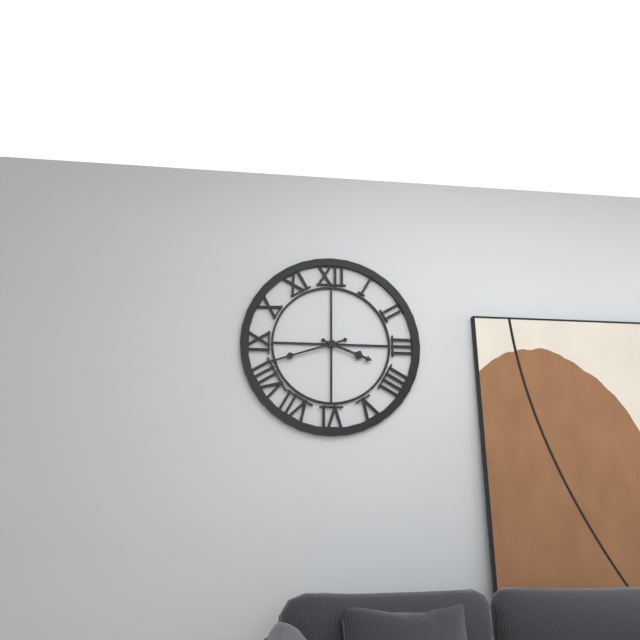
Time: **3:42**
